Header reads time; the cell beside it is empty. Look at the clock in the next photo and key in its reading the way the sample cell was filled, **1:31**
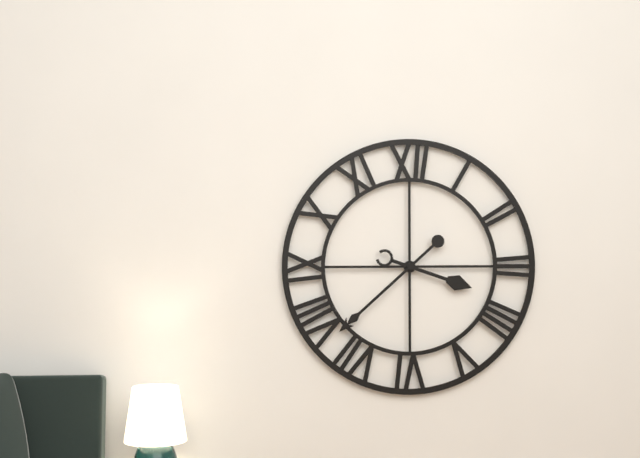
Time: **3:38**
